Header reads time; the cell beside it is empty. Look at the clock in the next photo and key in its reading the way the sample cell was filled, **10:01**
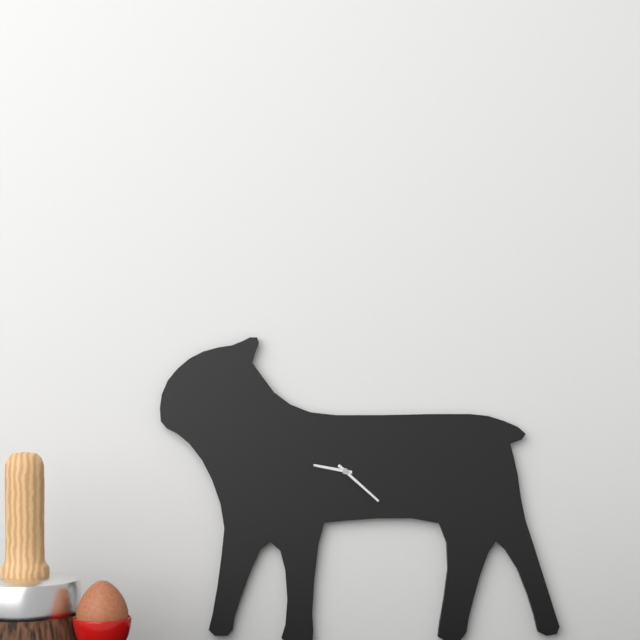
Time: **9:22**
